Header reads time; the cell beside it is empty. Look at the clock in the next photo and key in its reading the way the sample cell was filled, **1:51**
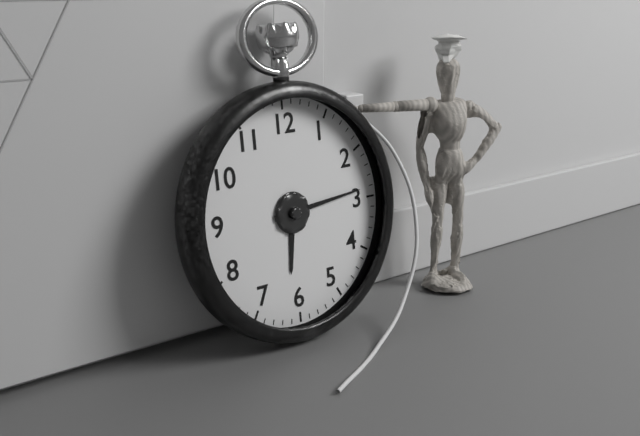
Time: **6:14**
